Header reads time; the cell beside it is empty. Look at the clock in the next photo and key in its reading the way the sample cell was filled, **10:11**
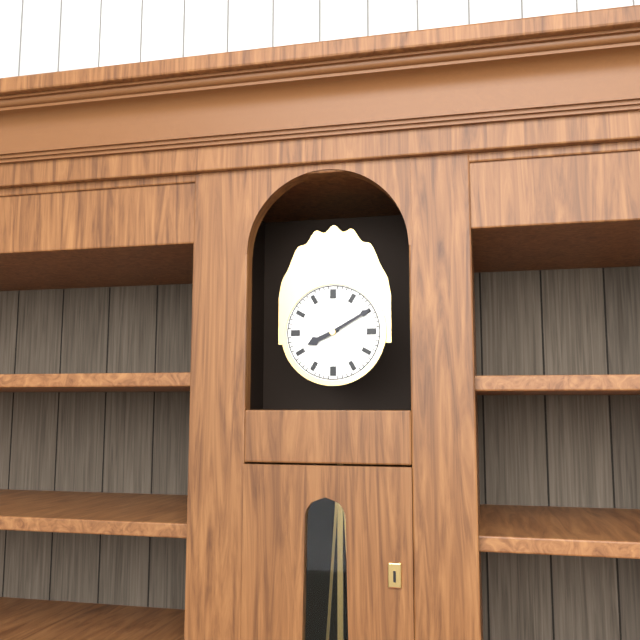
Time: **8:10**
